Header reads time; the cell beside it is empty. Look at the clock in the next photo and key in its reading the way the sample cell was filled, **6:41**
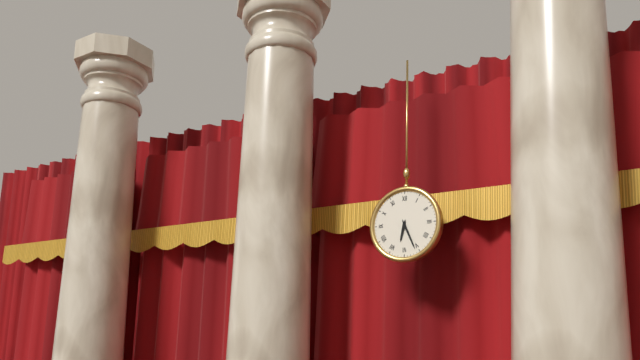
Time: **6:26**
